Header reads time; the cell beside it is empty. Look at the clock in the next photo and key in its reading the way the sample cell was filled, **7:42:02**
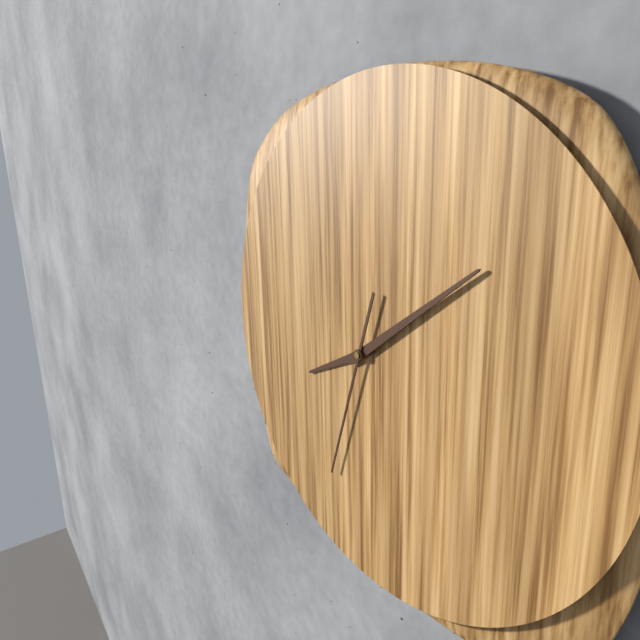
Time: **8:09:33**
